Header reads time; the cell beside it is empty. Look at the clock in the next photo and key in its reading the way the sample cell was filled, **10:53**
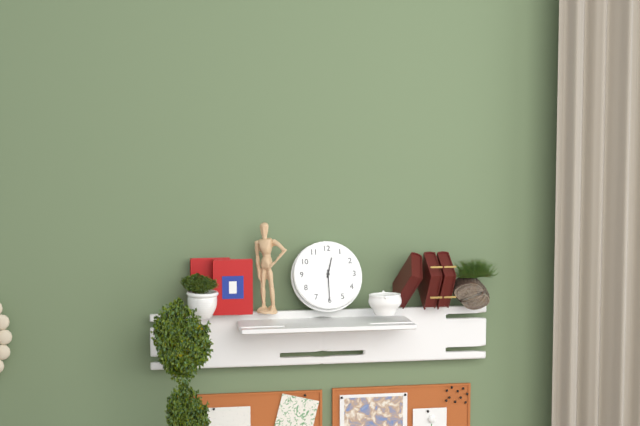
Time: **12:30**
